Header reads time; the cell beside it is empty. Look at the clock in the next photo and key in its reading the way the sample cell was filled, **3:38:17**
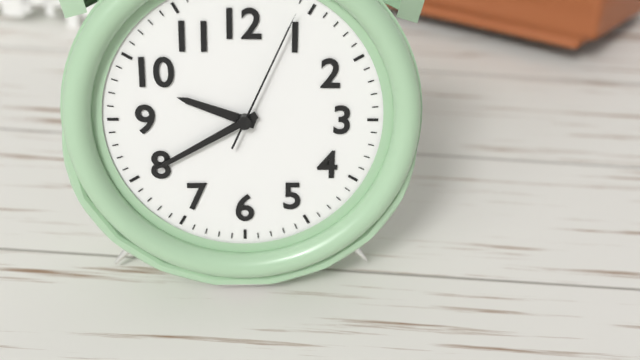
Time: **9:40:04**
